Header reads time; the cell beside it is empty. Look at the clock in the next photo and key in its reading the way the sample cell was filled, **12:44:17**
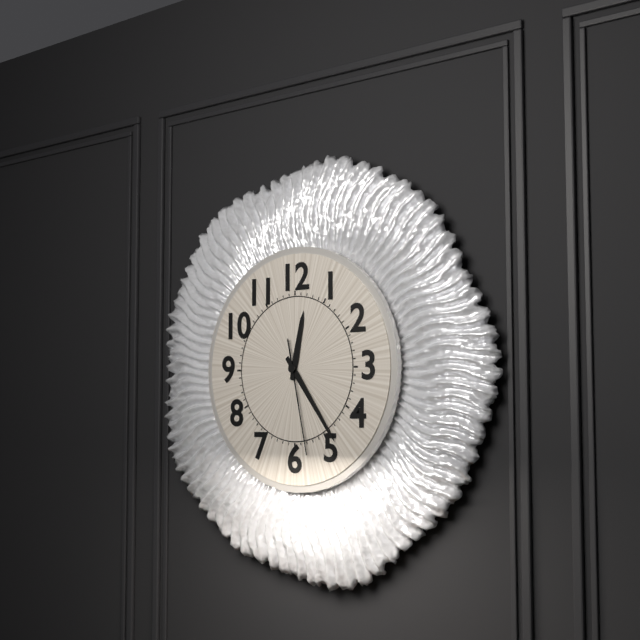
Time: **12:24:28**
